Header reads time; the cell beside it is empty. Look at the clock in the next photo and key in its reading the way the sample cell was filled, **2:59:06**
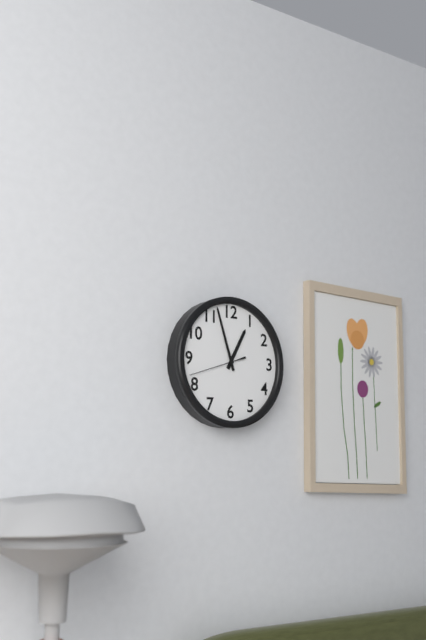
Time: **12:57:42**
